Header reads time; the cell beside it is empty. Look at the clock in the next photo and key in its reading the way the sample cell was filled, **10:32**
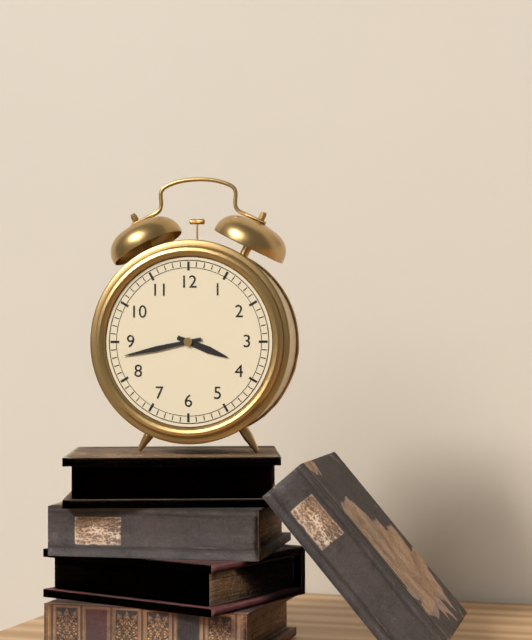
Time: **3:43**
